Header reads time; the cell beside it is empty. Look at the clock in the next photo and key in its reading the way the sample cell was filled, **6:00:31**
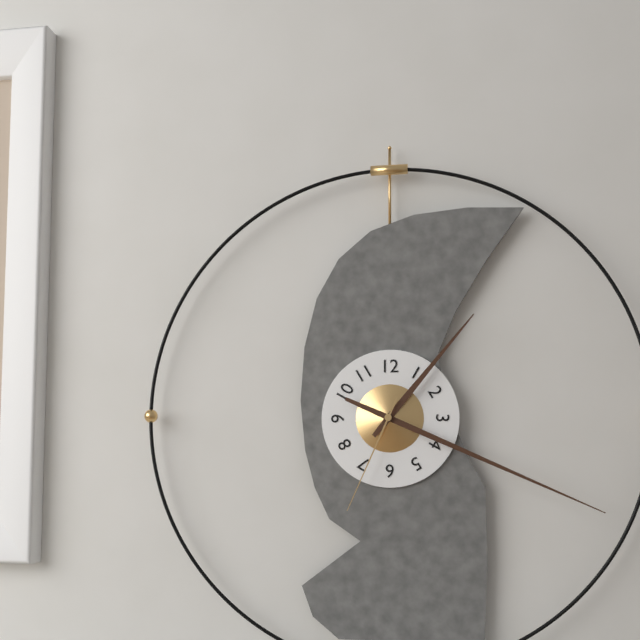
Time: **1:19:34**
